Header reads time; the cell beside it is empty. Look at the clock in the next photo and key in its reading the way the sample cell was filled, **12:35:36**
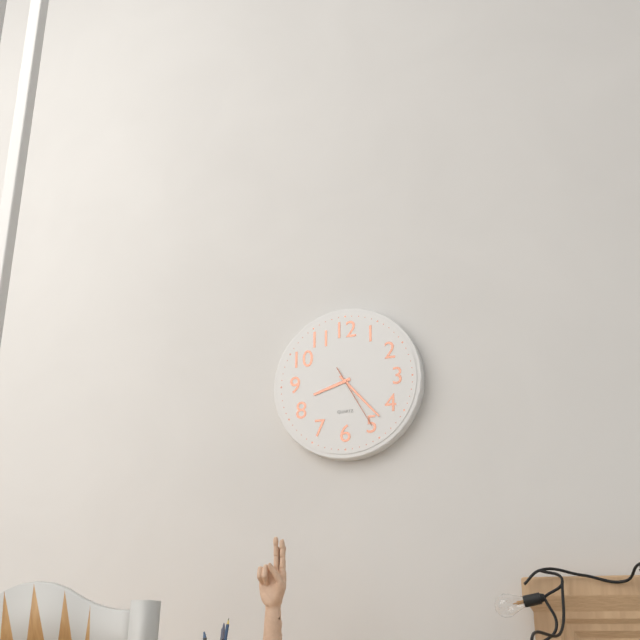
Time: **8:23:25**
